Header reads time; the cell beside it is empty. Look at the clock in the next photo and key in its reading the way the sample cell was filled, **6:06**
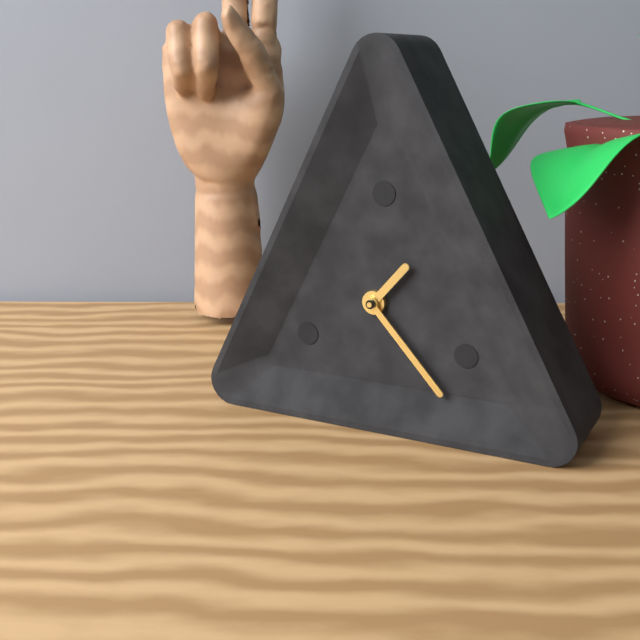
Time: **1:23**
